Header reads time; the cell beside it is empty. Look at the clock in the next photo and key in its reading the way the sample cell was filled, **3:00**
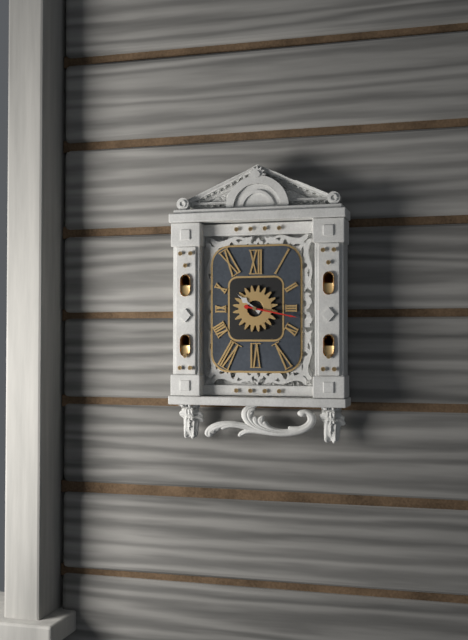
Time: **10:17**
